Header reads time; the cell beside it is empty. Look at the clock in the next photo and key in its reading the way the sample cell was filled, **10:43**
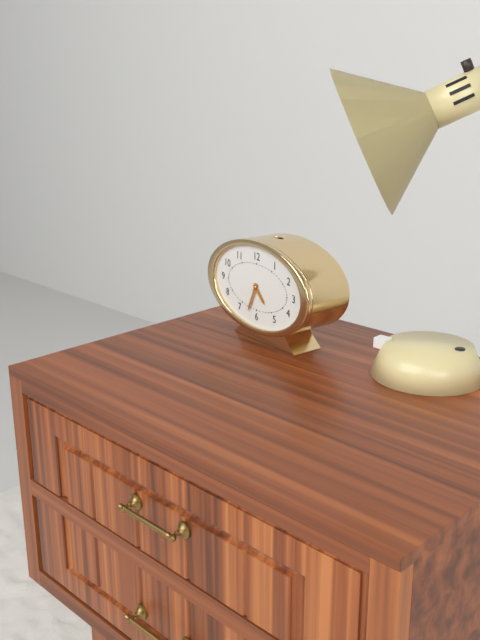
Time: **4:34**
